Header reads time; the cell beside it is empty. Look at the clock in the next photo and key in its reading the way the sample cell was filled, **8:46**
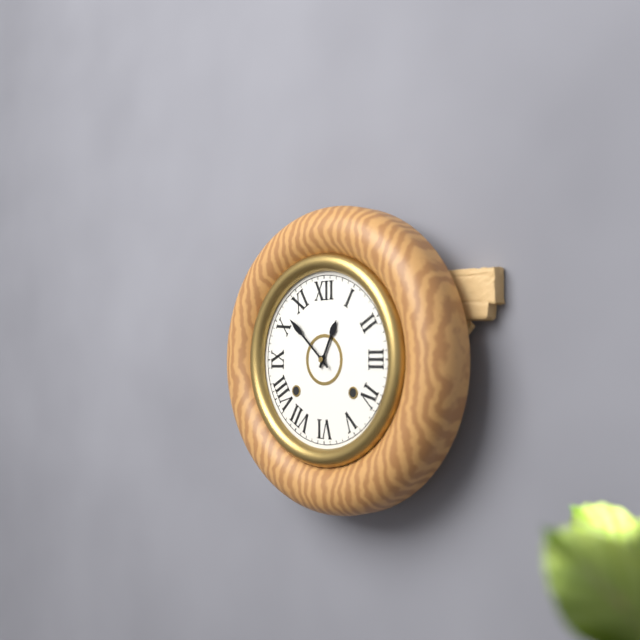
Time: **12:52**
